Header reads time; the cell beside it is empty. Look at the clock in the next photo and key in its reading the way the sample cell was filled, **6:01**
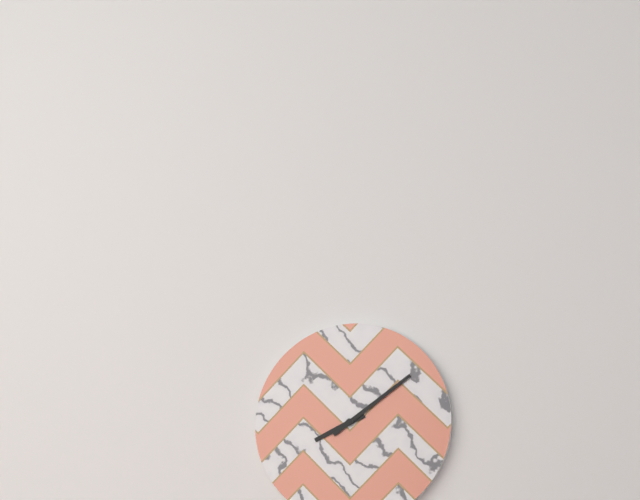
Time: **8:09**
